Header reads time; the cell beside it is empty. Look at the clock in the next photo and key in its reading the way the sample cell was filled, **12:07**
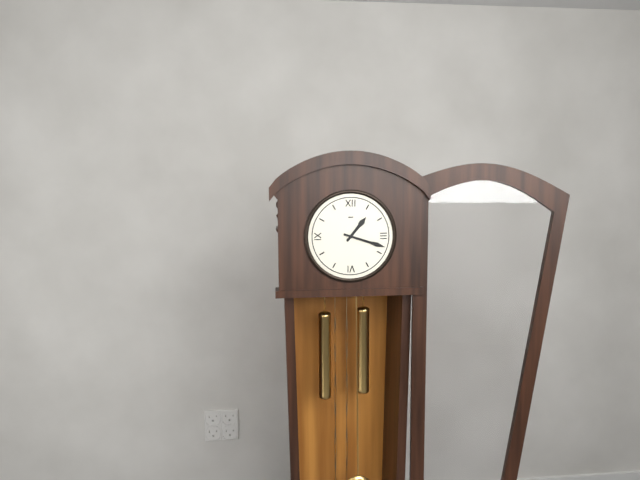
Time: **1:18**
